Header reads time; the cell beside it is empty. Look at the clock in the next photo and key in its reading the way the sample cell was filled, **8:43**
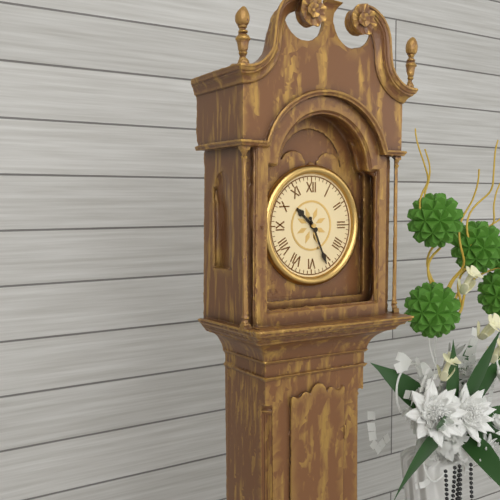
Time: **10:26**
